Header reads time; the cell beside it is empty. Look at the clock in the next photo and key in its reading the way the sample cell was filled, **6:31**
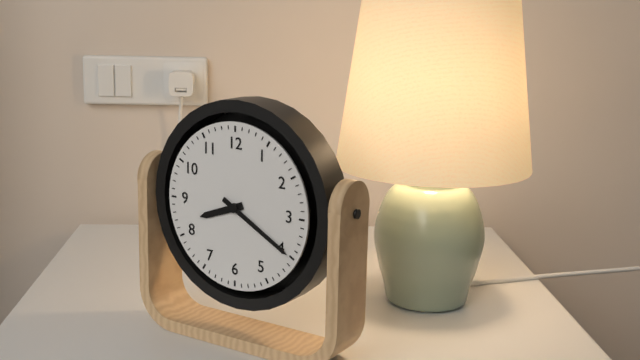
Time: **8:20**
